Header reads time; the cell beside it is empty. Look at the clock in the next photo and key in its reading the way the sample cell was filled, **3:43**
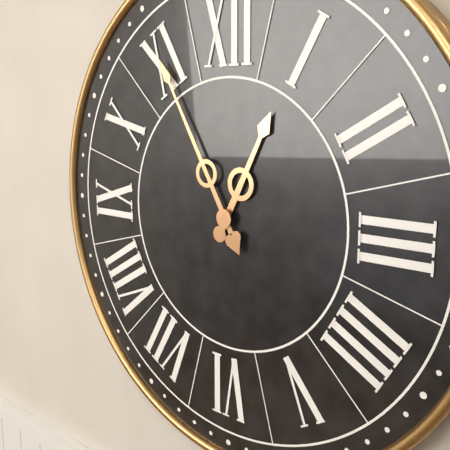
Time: **12:55**
